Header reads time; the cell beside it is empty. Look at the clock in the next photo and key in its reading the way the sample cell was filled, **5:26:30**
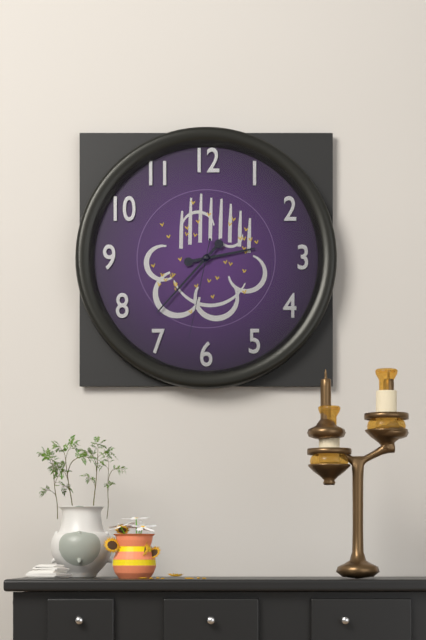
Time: **2:37:32**
